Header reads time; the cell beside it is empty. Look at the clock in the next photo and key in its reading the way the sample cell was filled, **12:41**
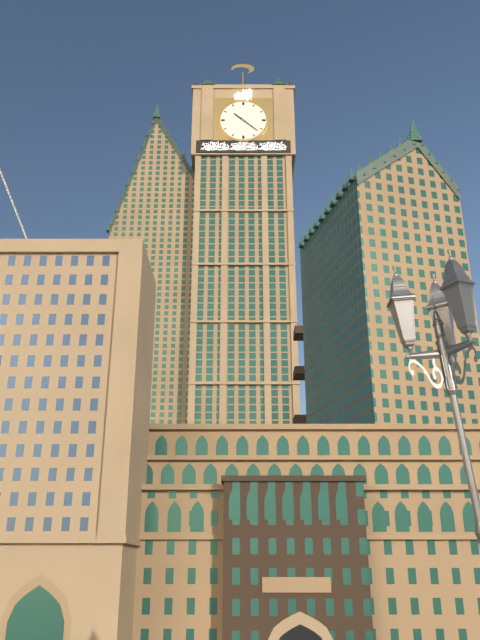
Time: **10:22**
